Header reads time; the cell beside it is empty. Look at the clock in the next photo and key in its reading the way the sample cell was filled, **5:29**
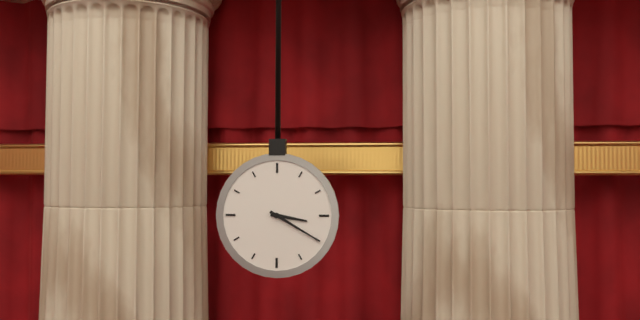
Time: **3:20**
